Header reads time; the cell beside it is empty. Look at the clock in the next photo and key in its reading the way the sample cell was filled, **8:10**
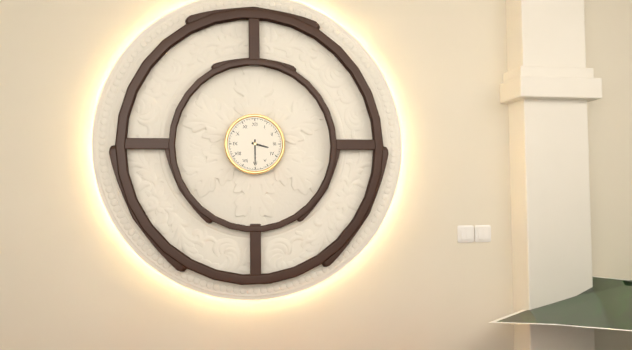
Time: **3:30**
